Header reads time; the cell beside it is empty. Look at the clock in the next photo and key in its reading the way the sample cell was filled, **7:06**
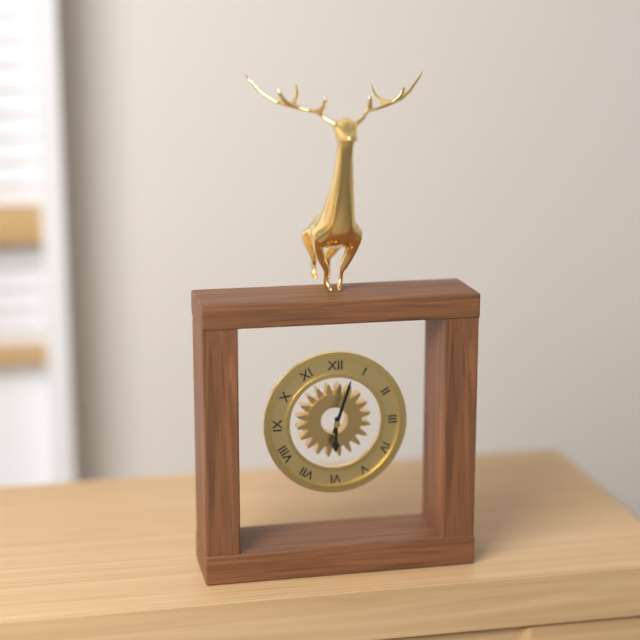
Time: **6:03**
